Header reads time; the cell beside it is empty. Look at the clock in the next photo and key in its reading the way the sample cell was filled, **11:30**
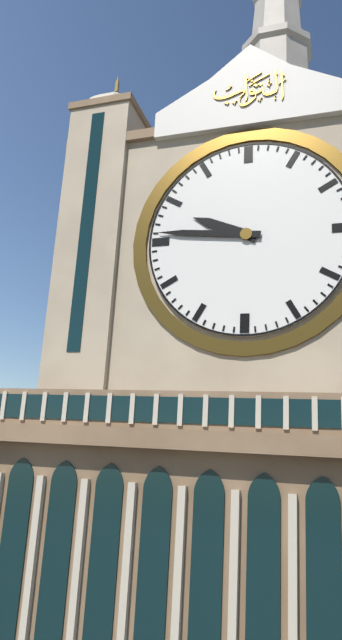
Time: **9:46**
